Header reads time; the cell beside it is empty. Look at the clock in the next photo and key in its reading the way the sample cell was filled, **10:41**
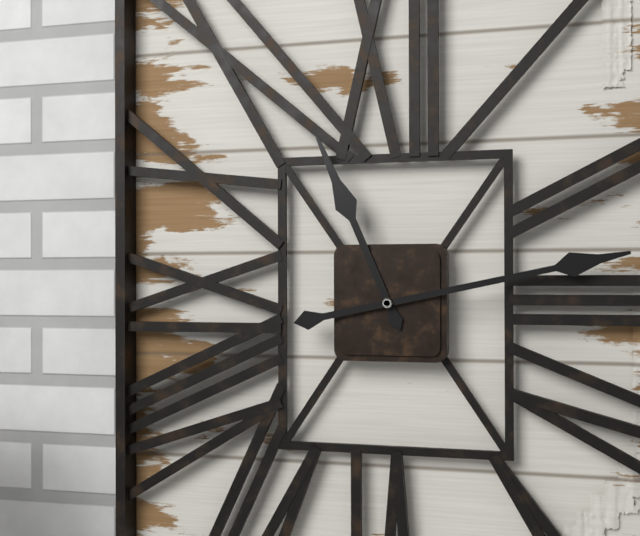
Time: **11:13**
